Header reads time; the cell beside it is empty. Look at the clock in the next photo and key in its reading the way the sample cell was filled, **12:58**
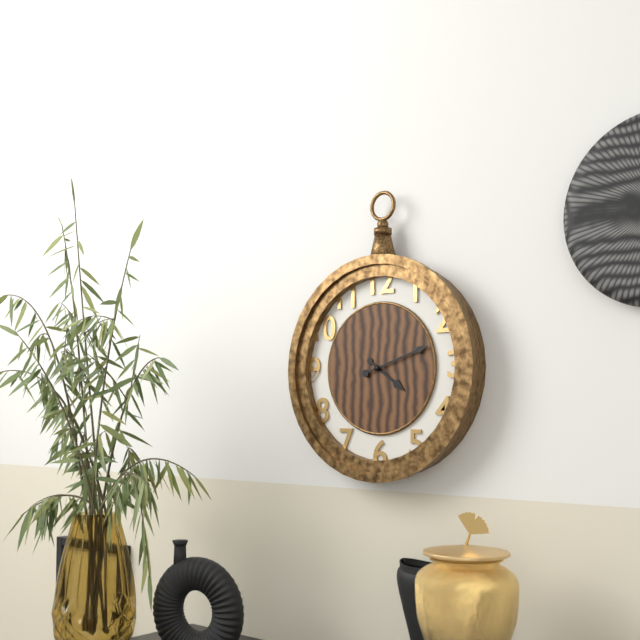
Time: **4:12**
